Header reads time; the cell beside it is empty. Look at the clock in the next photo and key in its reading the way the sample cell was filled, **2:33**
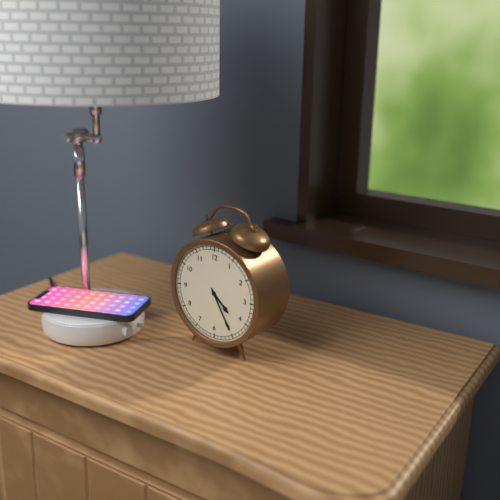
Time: **4:25**
